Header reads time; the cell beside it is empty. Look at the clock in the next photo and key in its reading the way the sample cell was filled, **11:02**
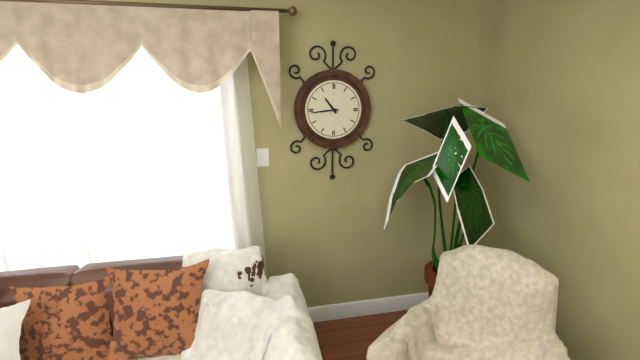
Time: **10:44**
